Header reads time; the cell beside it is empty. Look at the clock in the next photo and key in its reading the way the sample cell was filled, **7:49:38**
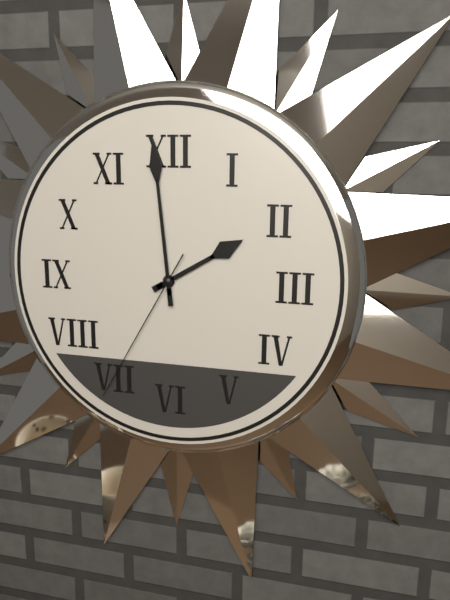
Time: **1:59:35**
